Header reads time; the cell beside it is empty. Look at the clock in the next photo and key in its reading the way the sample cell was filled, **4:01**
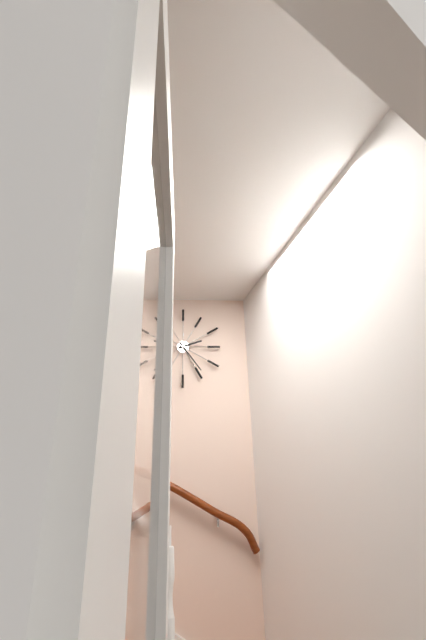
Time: **2:24**
